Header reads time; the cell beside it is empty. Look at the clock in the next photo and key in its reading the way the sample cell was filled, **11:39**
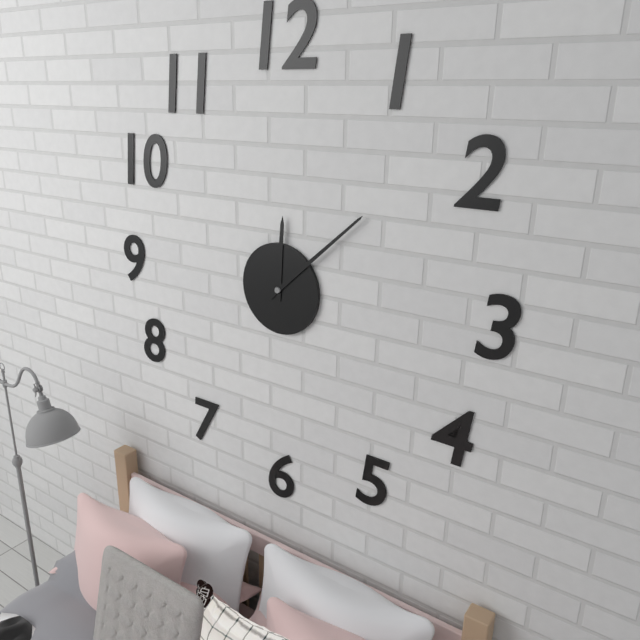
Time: **12:08**
